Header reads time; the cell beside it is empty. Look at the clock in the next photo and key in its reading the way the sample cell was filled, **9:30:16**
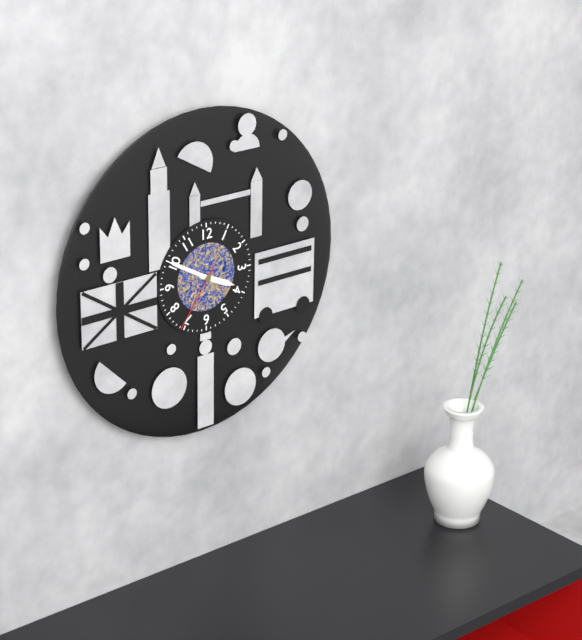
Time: **3:50:36**
